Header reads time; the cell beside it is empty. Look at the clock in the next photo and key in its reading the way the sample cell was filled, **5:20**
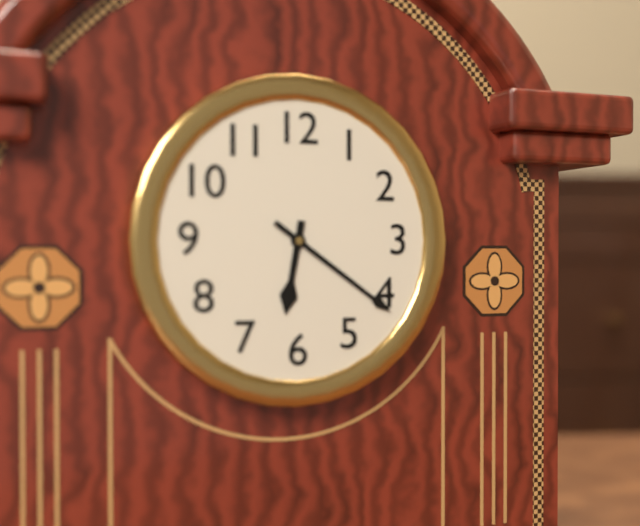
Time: **6:21**
